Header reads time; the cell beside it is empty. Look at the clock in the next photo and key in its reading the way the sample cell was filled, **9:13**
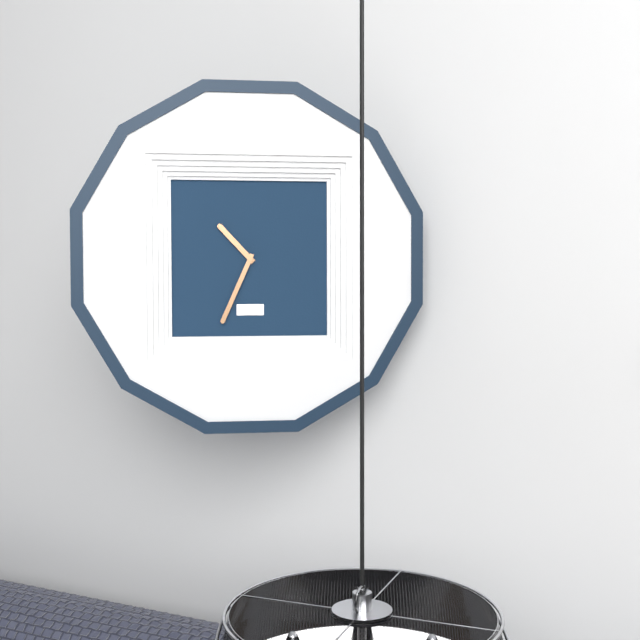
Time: **10:34**
